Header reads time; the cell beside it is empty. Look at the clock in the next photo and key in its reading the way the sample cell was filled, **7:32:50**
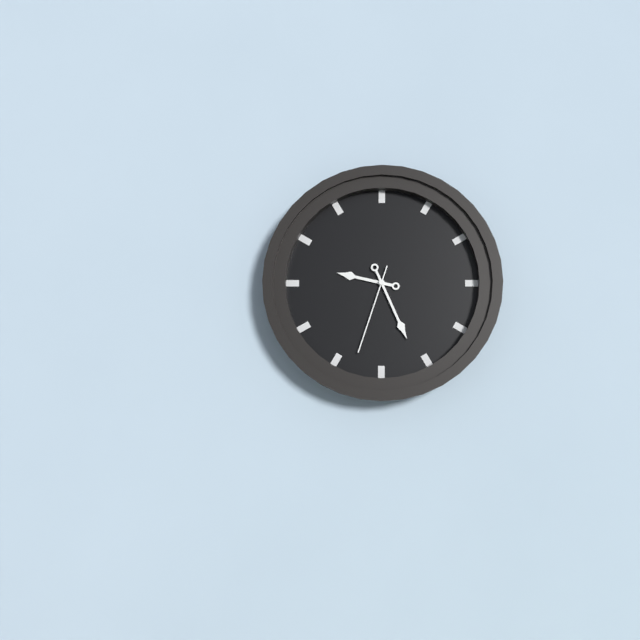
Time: **9:26:33**
